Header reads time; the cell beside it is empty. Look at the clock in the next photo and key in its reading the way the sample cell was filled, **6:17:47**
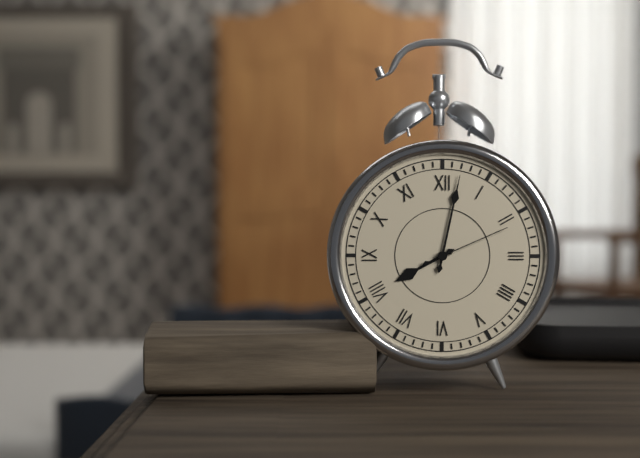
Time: **8:02:11**
